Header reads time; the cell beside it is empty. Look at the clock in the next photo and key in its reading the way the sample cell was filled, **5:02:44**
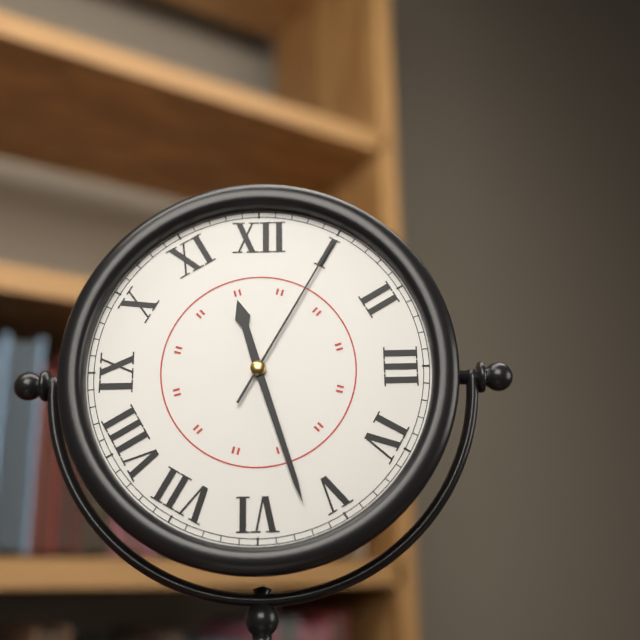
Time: **11:27:05**
